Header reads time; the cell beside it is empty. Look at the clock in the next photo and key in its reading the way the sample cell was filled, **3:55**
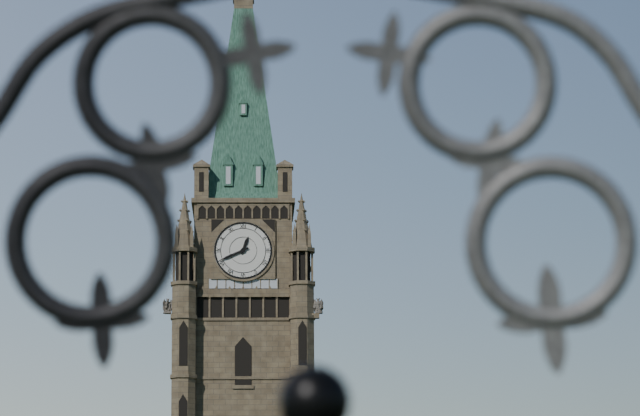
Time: **12:41**
